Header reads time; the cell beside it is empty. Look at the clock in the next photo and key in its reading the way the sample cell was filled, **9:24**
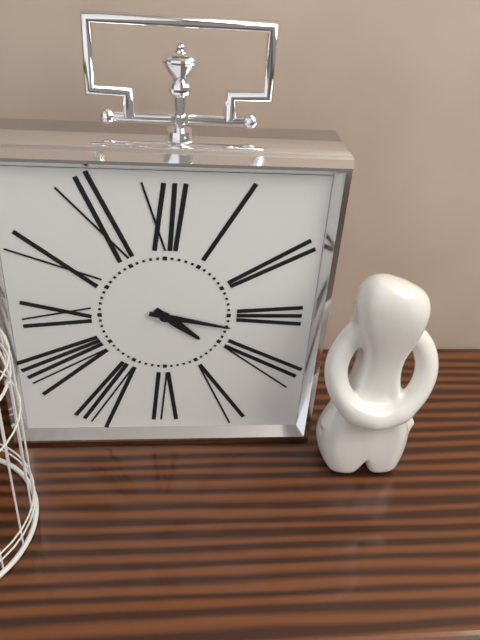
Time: **4:17**
